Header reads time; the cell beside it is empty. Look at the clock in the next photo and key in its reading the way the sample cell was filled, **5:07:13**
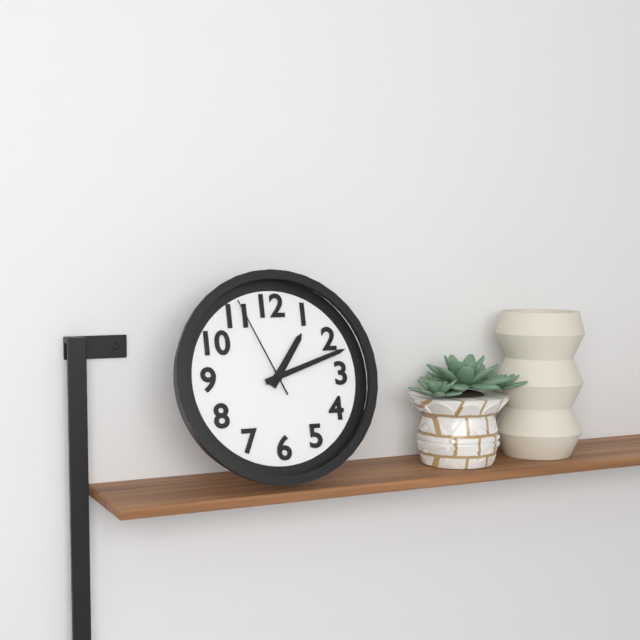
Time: **1:12:56**
